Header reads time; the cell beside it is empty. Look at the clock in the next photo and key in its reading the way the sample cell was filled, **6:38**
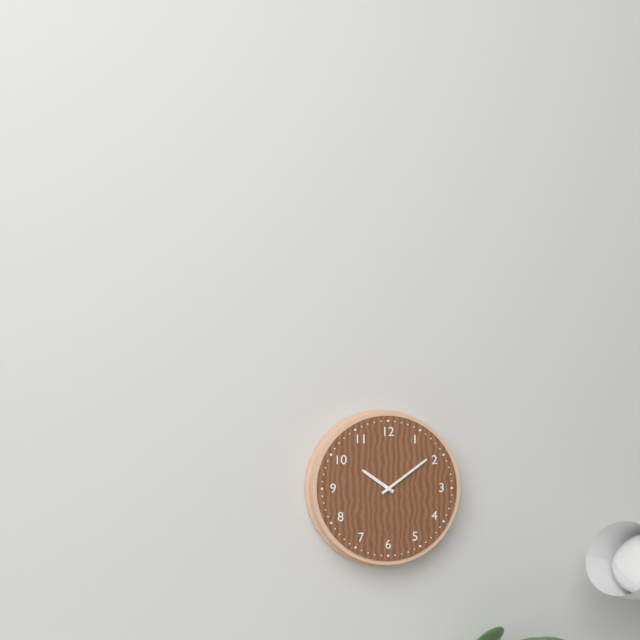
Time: **10:09**
